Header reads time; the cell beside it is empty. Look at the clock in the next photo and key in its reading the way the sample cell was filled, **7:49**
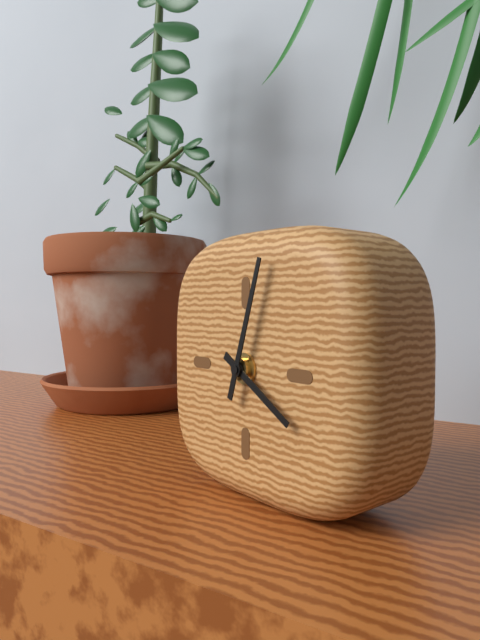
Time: **4:03**
